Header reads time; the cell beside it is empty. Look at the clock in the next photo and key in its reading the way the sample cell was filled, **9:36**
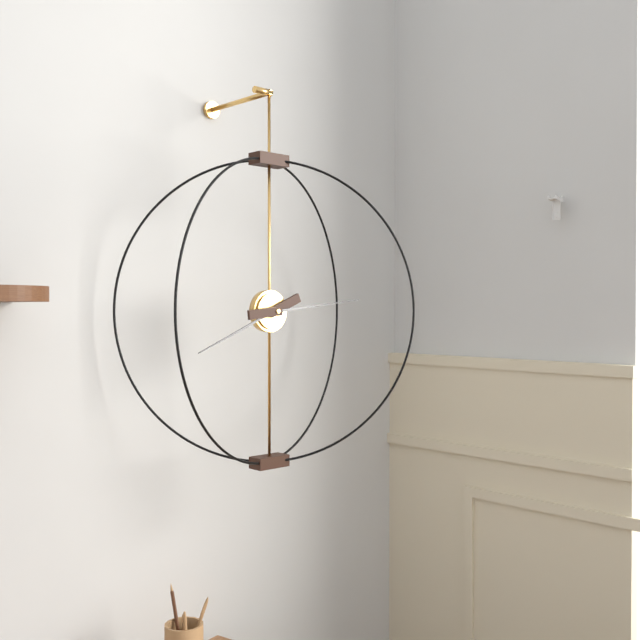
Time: **8:14**
